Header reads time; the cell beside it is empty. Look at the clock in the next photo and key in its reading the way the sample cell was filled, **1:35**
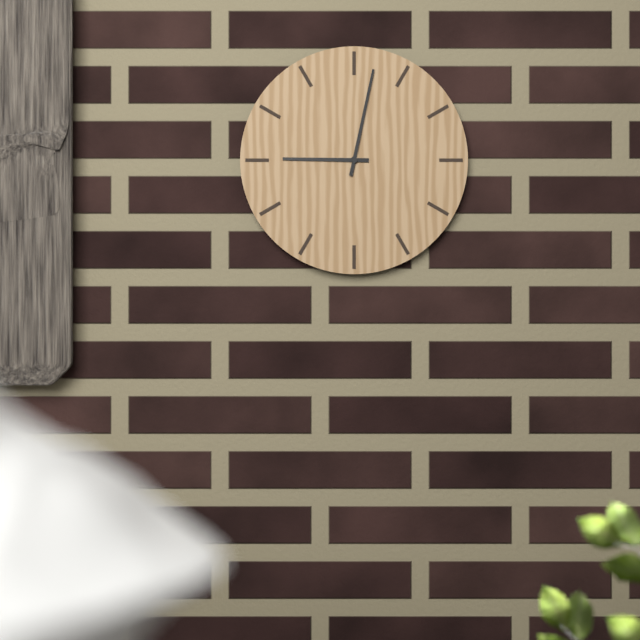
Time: **9:02**
